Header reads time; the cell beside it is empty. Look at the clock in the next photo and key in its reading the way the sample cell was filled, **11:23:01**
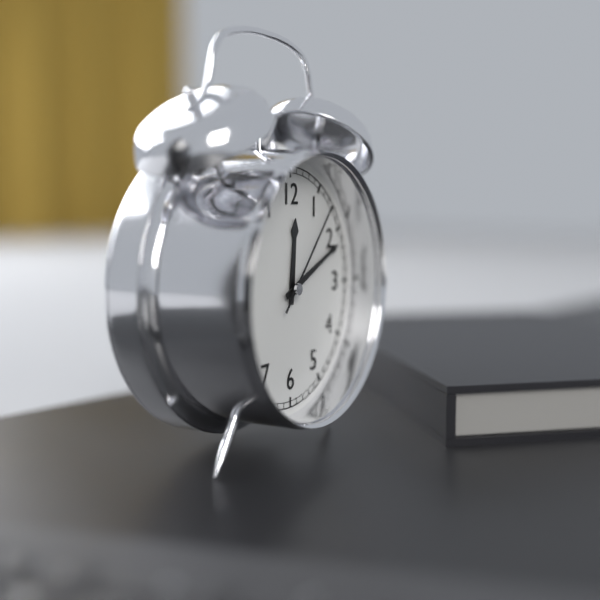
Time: **12:11:07**
